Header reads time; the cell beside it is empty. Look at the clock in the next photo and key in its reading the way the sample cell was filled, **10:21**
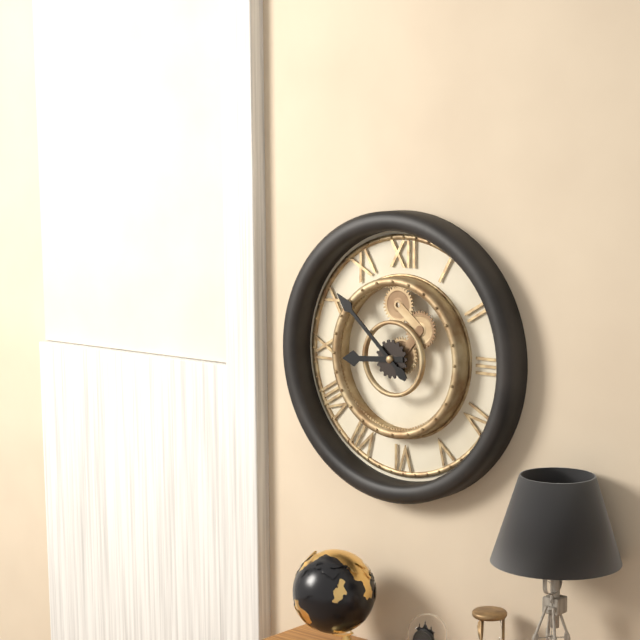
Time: **8:52**
